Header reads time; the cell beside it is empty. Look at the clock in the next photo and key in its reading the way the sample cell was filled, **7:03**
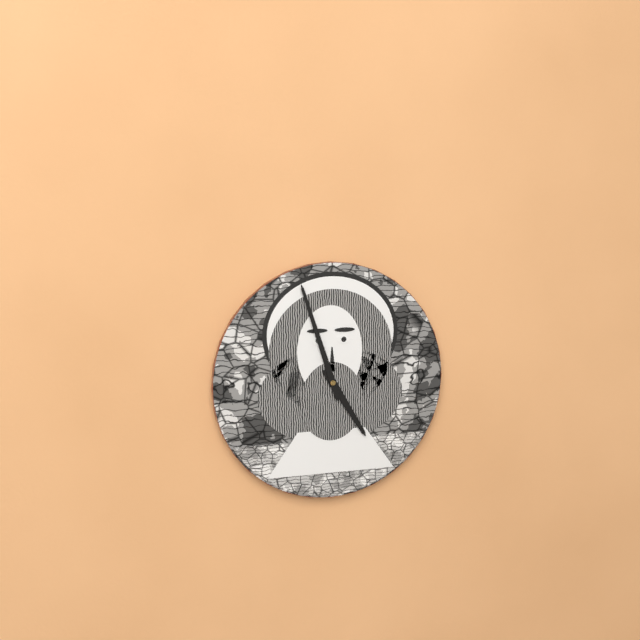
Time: **4:57**
